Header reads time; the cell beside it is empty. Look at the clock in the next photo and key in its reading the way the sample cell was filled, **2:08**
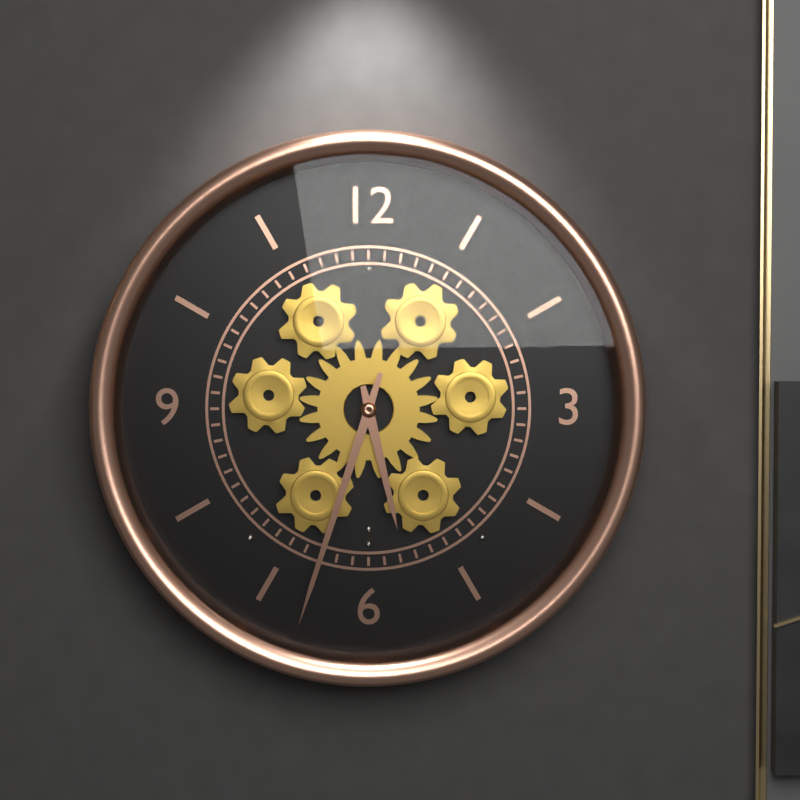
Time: **5:33**
